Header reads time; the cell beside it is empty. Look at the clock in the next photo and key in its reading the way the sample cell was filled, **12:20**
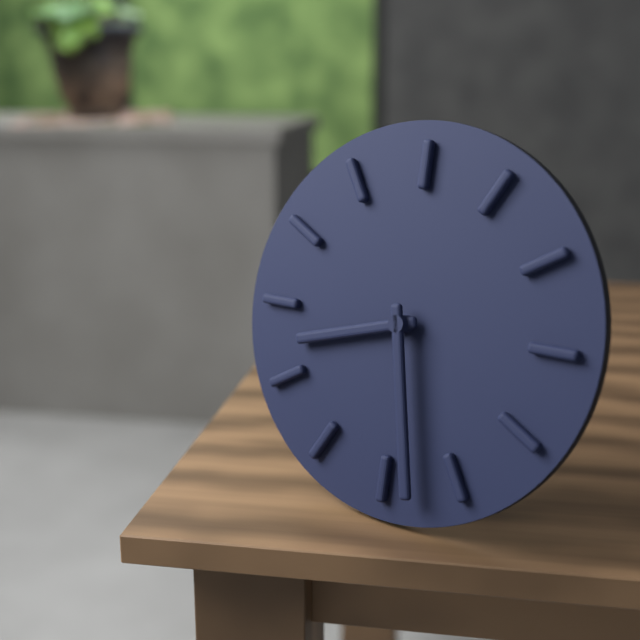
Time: **8:28**
